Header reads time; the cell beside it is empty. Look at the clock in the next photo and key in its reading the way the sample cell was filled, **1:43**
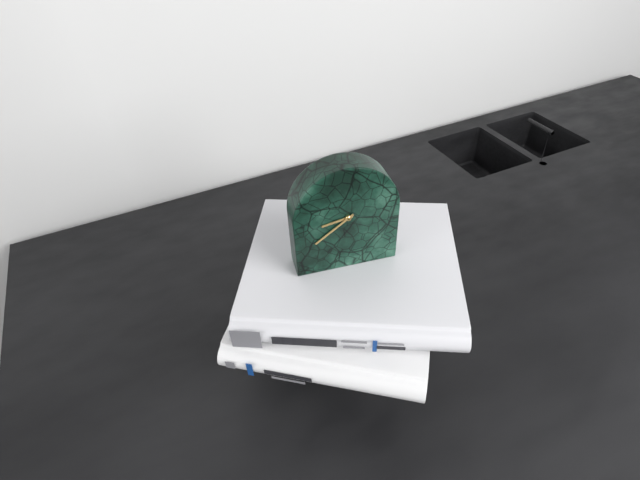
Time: **8:39**
